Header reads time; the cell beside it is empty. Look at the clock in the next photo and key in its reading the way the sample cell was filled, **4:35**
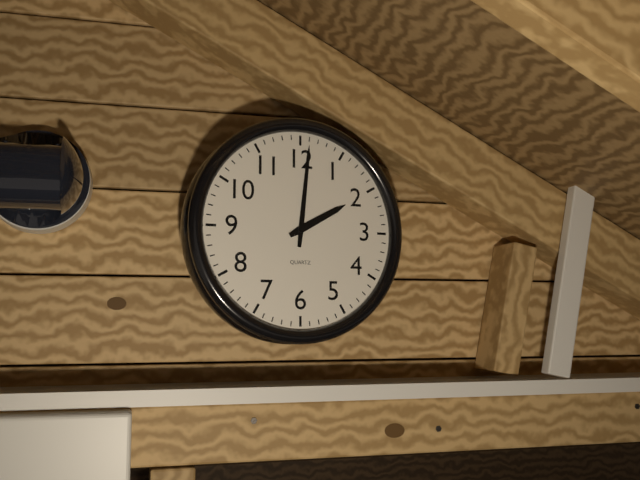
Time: **2:01**
